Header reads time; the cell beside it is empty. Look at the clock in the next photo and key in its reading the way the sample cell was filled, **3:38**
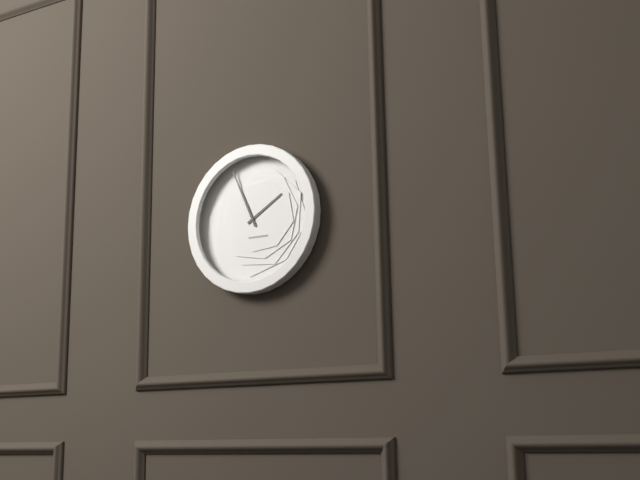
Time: **1:56**
